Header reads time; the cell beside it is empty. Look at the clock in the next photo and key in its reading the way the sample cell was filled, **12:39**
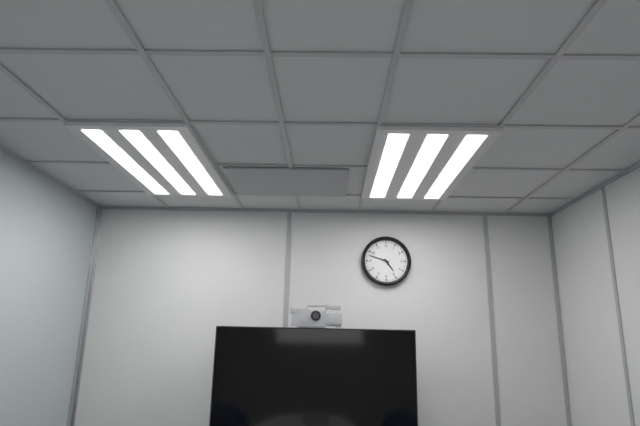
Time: **4:48**
